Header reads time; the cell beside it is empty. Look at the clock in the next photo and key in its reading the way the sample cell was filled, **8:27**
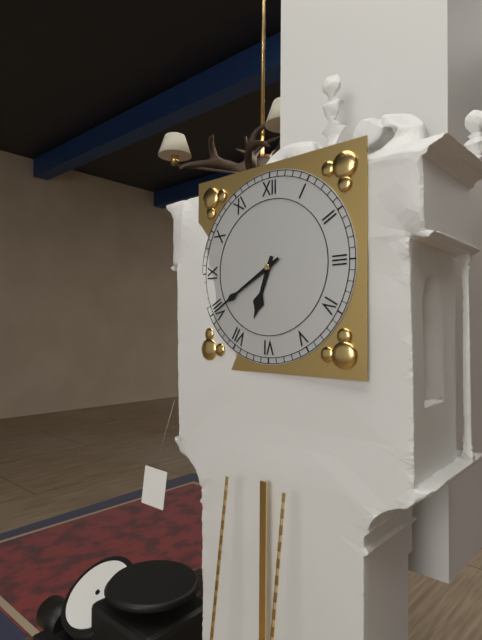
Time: **6:40**
